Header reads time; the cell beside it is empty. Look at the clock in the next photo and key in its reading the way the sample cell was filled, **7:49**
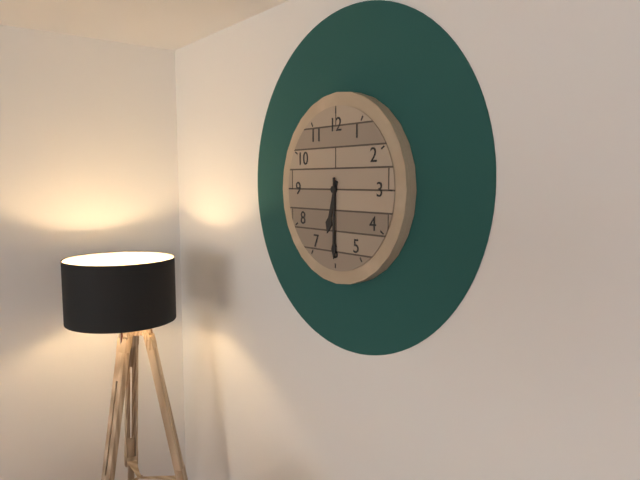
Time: **6:30**
